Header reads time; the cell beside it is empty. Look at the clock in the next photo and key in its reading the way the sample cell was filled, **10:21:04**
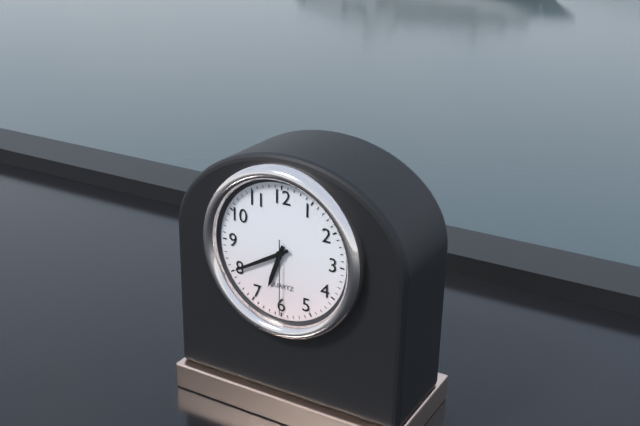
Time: **6:40:30**
